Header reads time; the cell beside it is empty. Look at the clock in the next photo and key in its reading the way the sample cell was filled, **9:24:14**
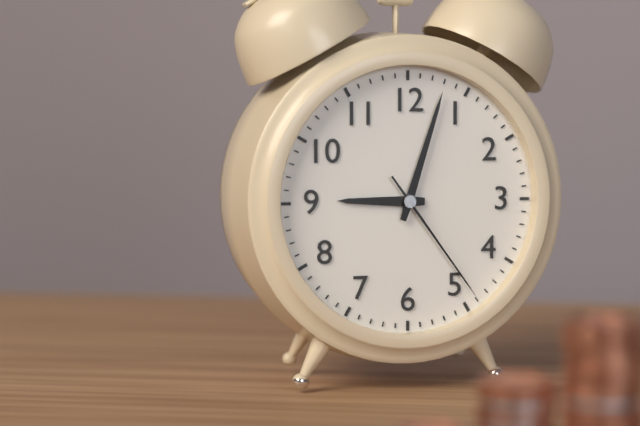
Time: **9:03:24**
